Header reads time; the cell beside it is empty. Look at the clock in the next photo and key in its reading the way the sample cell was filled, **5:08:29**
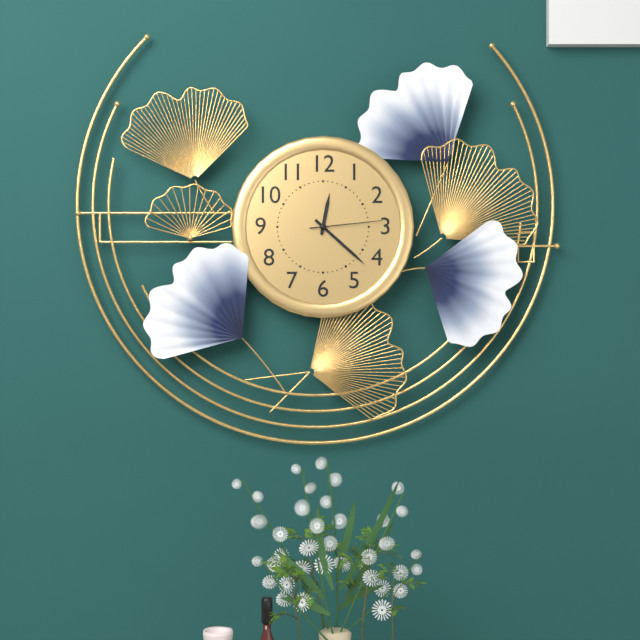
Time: **12:22:14**
